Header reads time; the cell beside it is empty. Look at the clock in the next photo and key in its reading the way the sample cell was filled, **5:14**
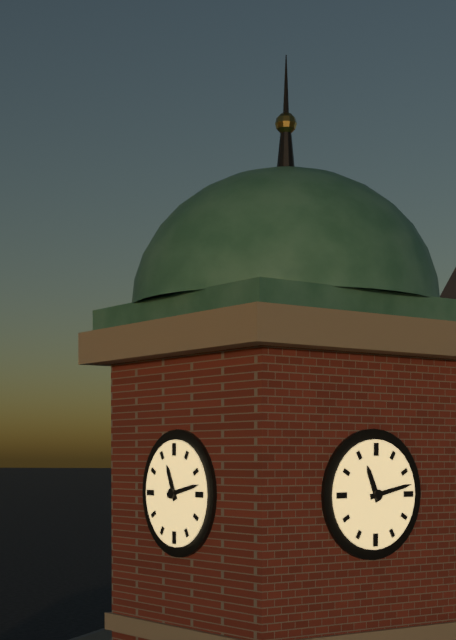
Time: **11:13**
